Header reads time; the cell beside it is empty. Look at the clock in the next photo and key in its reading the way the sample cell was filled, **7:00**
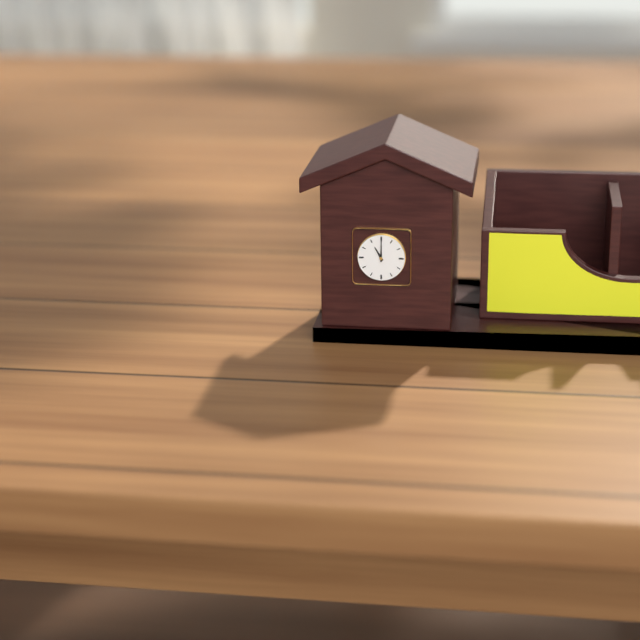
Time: **11:00**
